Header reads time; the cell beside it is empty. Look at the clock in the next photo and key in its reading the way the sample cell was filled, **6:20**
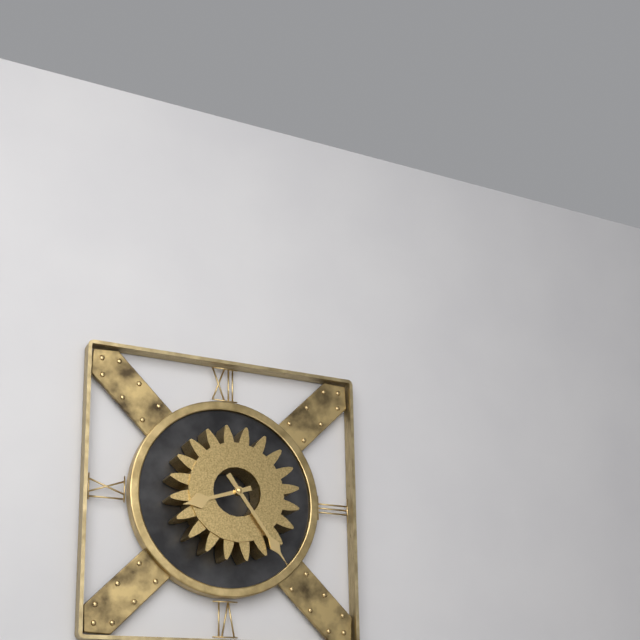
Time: **8:24**
